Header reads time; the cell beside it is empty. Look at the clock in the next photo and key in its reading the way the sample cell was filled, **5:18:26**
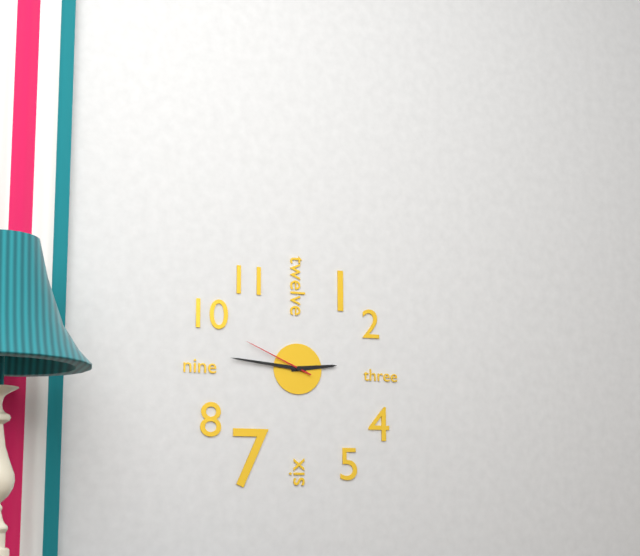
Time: **2:46:49**
